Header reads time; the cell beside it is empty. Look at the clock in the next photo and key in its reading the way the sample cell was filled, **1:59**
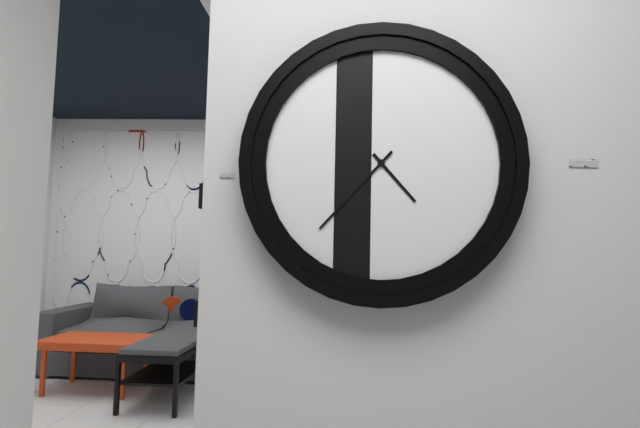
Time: **4:37**
